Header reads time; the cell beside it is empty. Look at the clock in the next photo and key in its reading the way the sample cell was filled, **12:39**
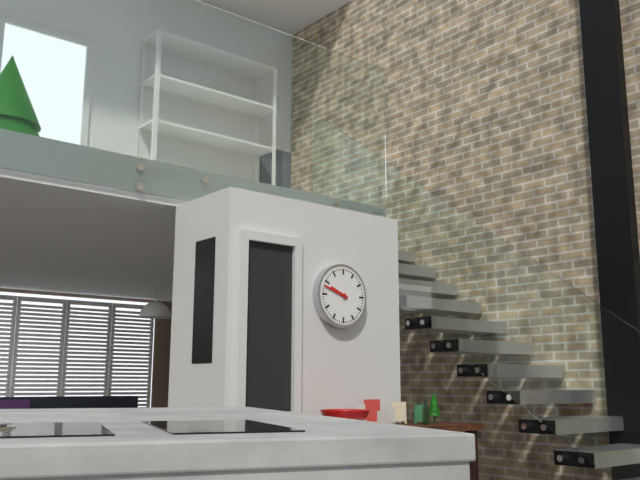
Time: **9:48**
